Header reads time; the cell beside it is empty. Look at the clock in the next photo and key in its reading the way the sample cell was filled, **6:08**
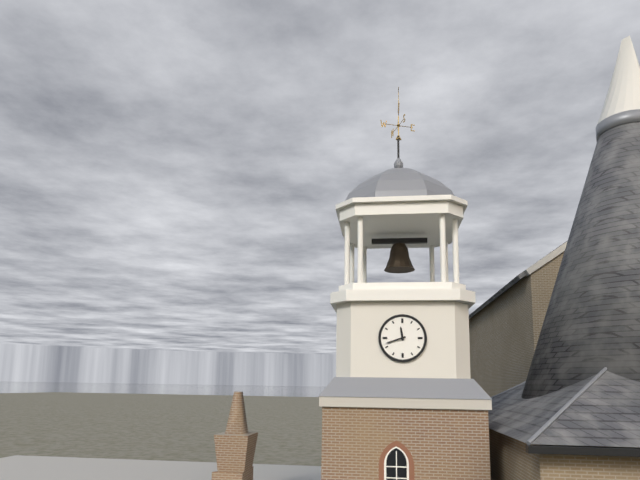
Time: **11:42**
